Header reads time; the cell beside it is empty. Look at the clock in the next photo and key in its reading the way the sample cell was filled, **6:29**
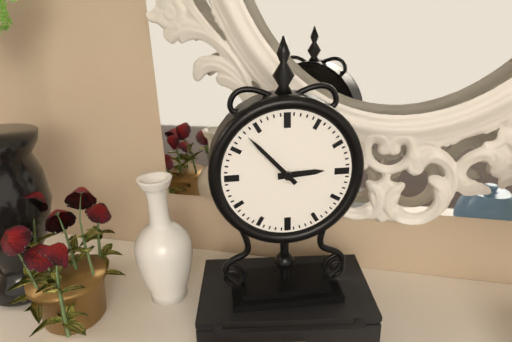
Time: **2:53**
